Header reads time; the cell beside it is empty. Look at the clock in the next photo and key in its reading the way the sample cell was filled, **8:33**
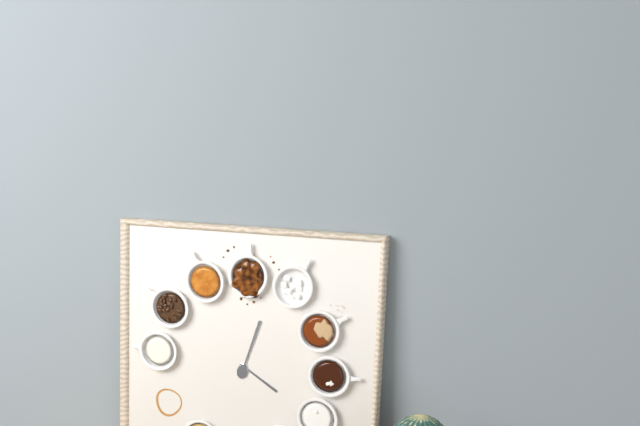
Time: **4:03**
